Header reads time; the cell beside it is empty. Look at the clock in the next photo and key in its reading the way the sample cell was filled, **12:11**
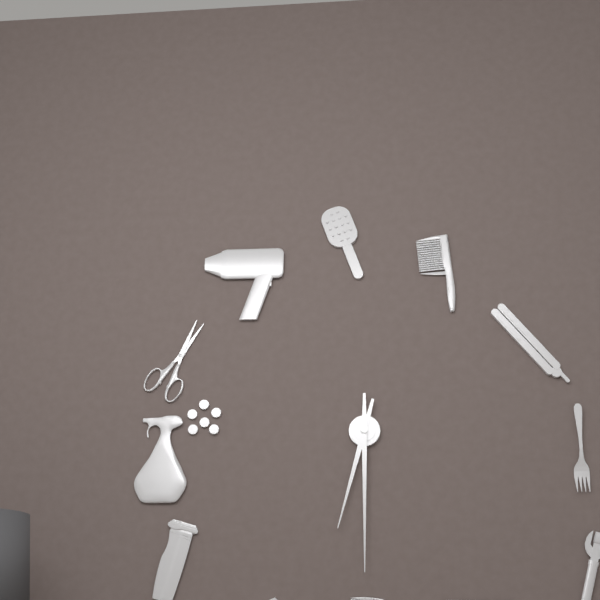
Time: **6:30**
